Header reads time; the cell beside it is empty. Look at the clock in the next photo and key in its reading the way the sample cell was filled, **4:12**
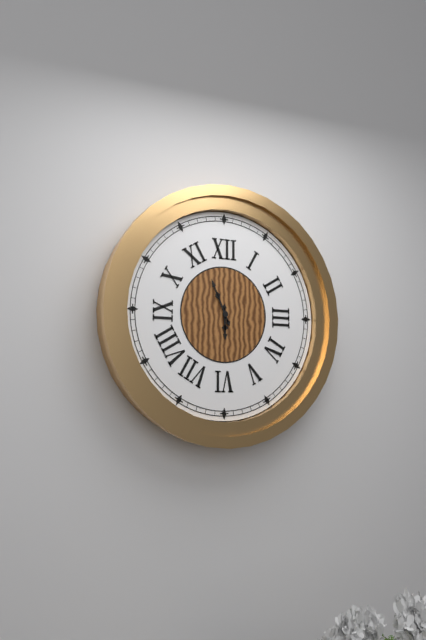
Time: **5:56**
